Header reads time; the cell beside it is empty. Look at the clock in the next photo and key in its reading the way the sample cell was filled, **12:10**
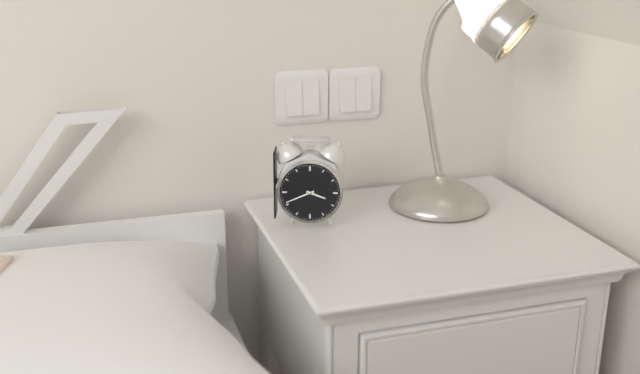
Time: **3:41**
